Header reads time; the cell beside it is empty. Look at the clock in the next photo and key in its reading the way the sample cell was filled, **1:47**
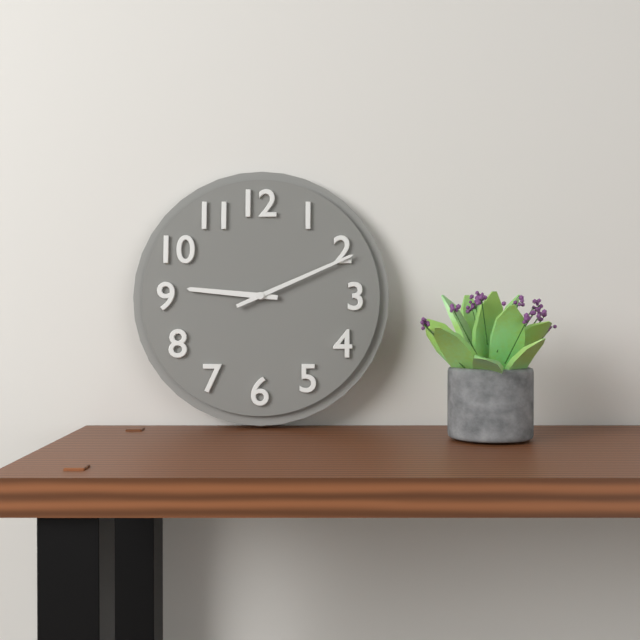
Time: **9:11**
